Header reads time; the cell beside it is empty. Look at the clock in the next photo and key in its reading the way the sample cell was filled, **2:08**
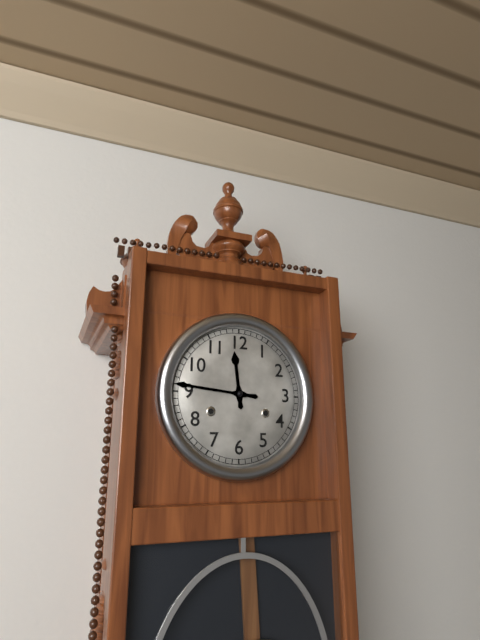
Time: **11:46**
